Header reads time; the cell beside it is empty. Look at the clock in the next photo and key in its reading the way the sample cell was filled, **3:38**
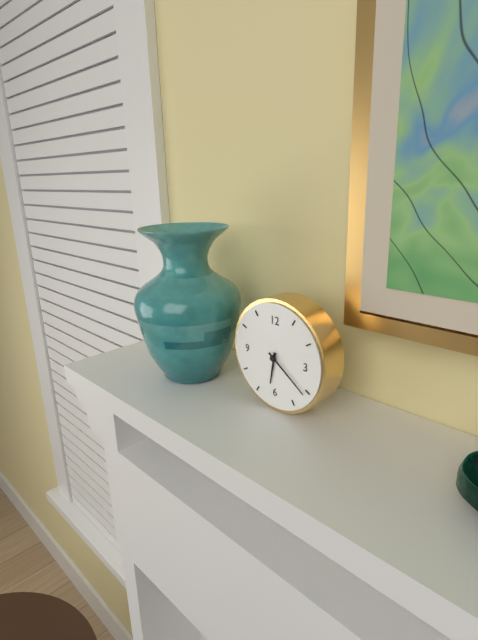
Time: **6:21**
